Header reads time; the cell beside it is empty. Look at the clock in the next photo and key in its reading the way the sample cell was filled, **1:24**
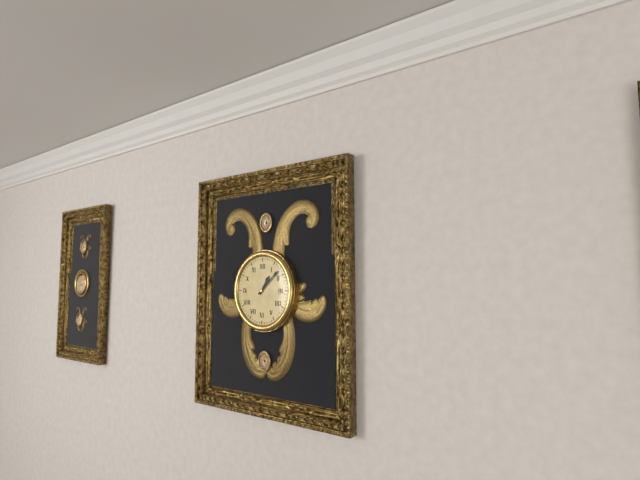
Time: **1:08**
